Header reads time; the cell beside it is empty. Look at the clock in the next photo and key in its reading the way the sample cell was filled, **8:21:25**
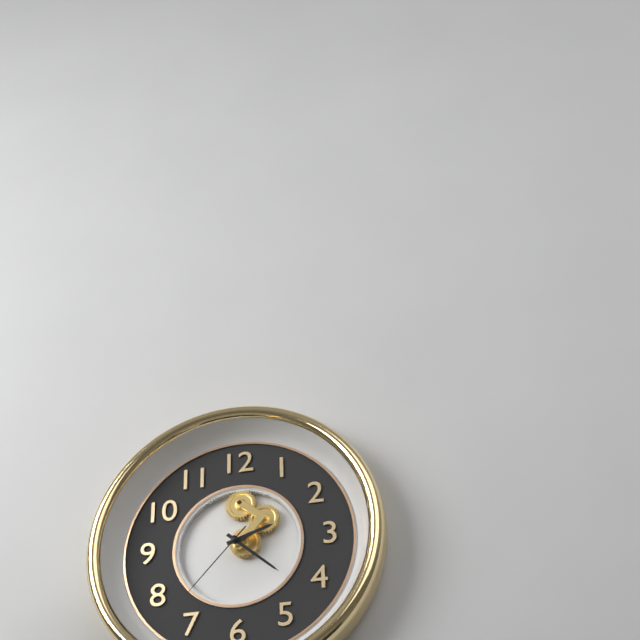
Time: **2:22:37**
